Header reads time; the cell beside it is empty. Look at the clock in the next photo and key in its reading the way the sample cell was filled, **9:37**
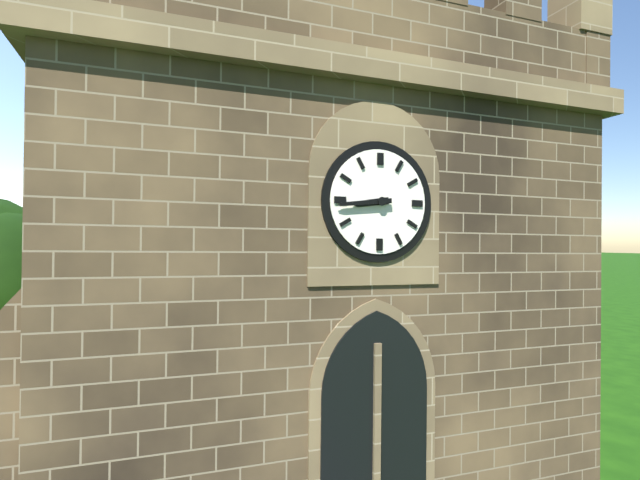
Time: **8:44**
